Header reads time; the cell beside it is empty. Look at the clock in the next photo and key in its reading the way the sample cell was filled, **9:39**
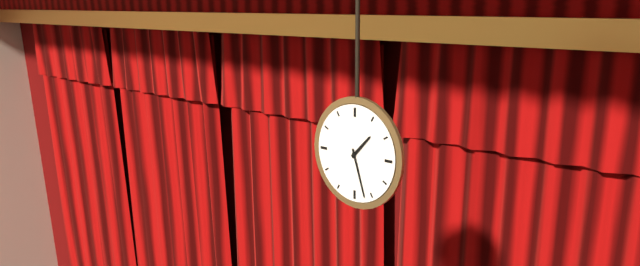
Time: **1:27**
